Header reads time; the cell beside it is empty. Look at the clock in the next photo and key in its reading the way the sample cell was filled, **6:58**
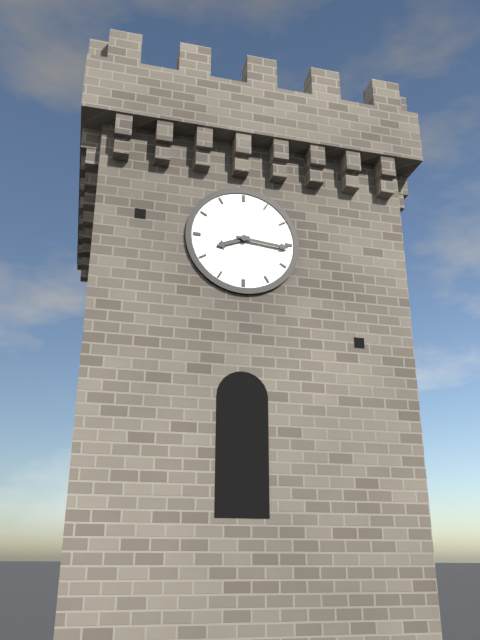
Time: **8:16**
